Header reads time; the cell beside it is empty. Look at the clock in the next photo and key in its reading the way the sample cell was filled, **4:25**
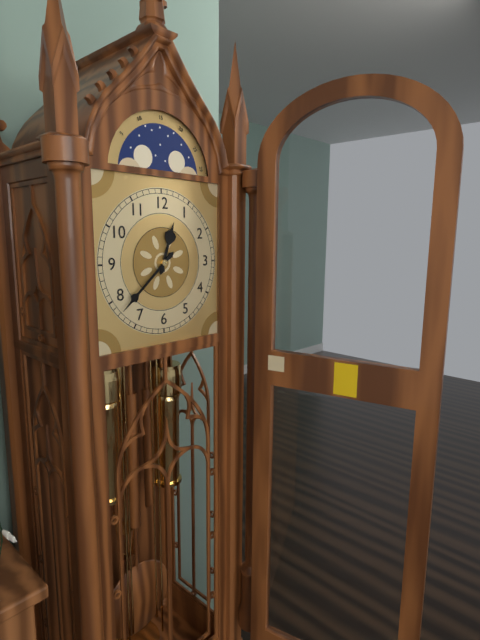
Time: **12:38**
